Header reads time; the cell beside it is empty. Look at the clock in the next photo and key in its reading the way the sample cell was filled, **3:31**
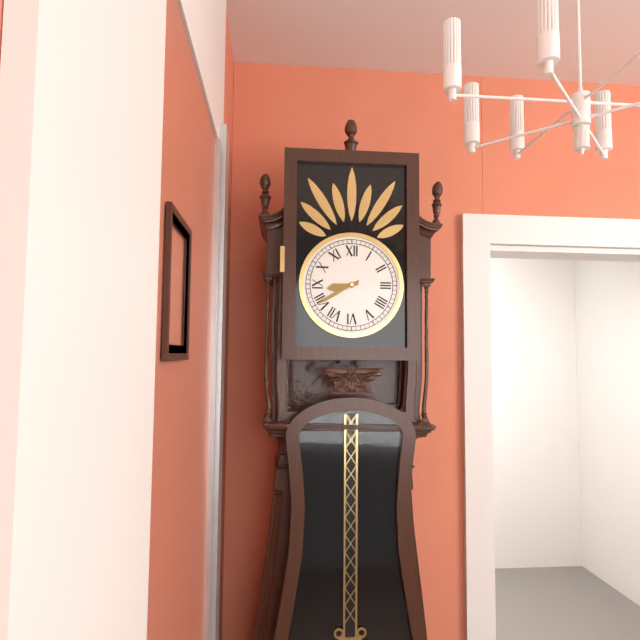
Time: **8:40**
